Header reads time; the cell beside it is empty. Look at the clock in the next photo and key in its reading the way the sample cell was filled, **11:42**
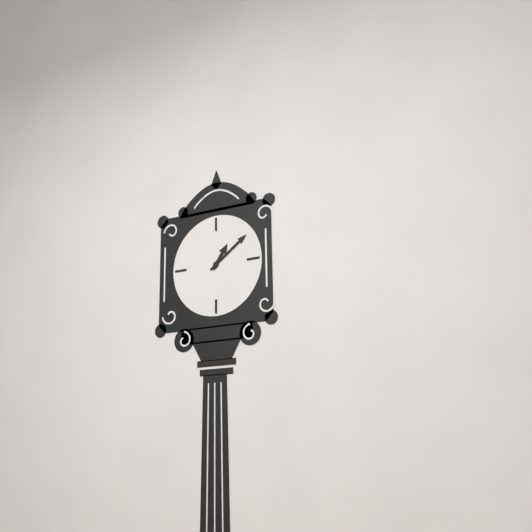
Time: **1:09**
